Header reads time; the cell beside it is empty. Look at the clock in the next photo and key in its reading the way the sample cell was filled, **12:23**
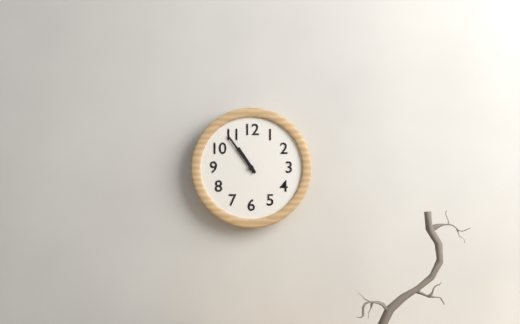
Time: **10:54**
